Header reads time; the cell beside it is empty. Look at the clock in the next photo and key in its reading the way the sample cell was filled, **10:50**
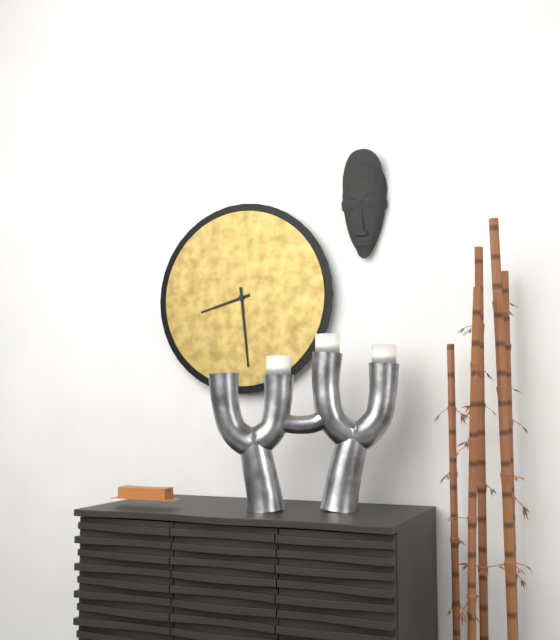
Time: **8:29**
